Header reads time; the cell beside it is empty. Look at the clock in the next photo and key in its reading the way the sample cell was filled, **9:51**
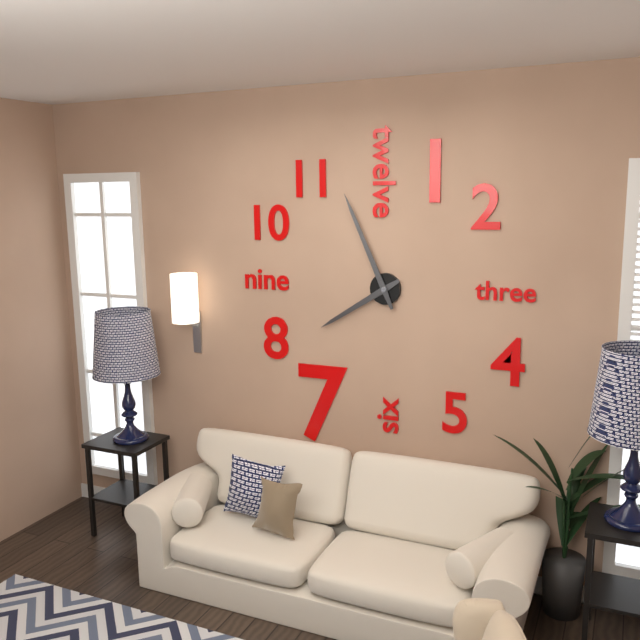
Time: **7:56**
